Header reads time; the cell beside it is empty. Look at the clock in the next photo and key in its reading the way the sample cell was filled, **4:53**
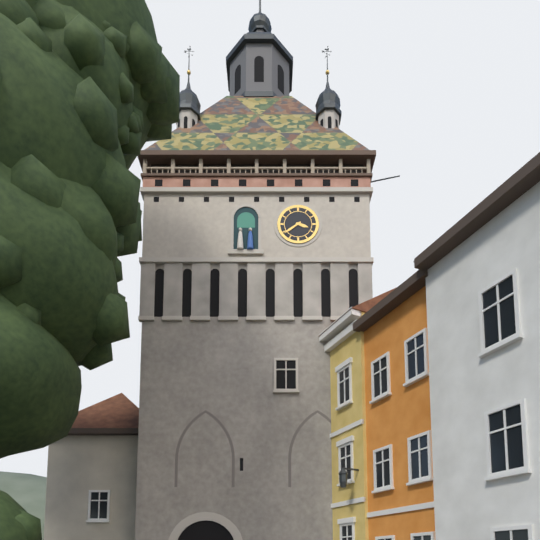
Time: **3:39**
